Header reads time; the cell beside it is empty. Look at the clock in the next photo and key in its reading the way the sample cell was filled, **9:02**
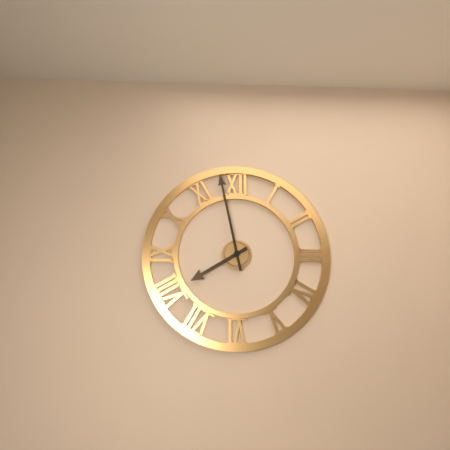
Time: **7:58**
